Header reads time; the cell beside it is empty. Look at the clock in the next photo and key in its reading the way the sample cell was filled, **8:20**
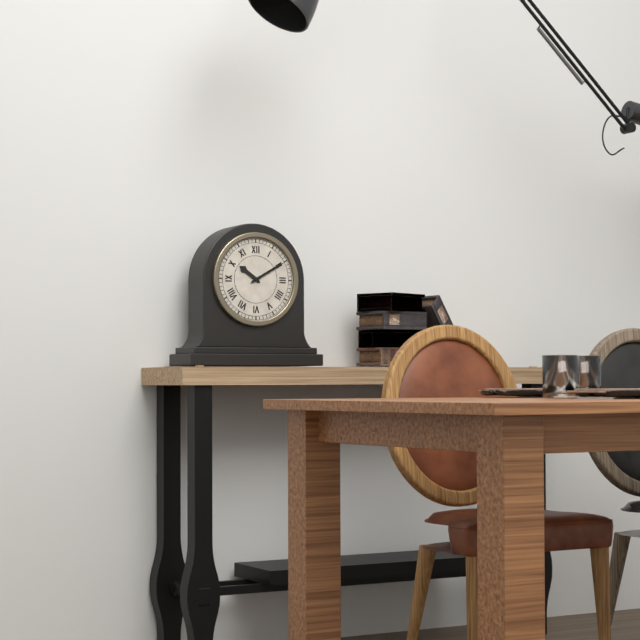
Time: **10:10**
